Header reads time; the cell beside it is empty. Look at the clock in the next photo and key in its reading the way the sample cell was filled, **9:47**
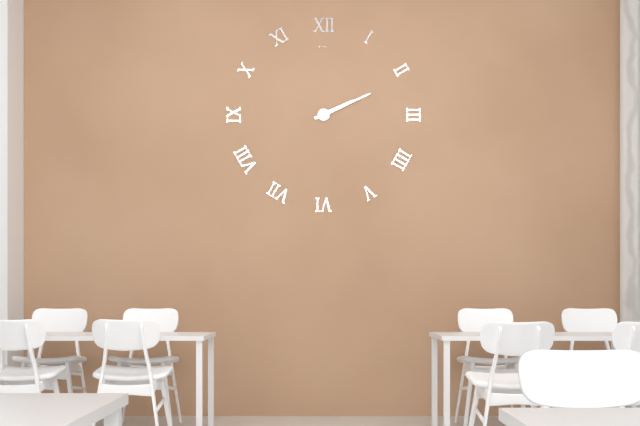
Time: **2:11**
